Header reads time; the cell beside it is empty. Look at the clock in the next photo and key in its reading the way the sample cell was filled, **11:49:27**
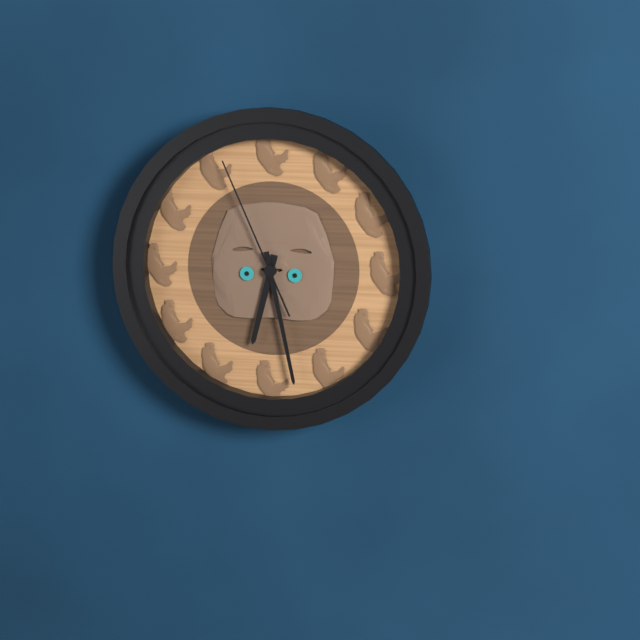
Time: **6:28:56**
